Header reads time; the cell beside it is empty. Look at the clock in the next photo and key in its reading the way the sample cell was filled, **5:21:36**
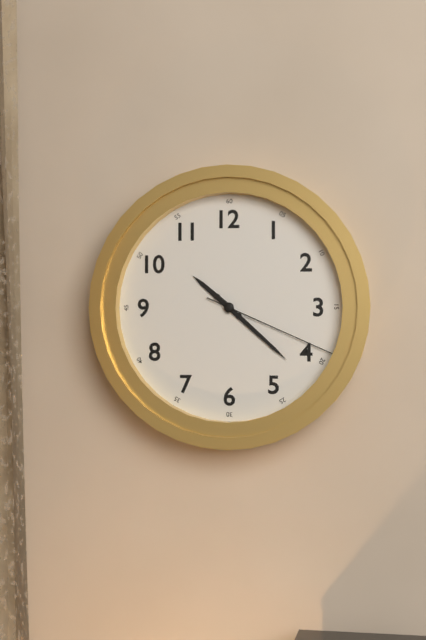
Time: **10:22:19**
